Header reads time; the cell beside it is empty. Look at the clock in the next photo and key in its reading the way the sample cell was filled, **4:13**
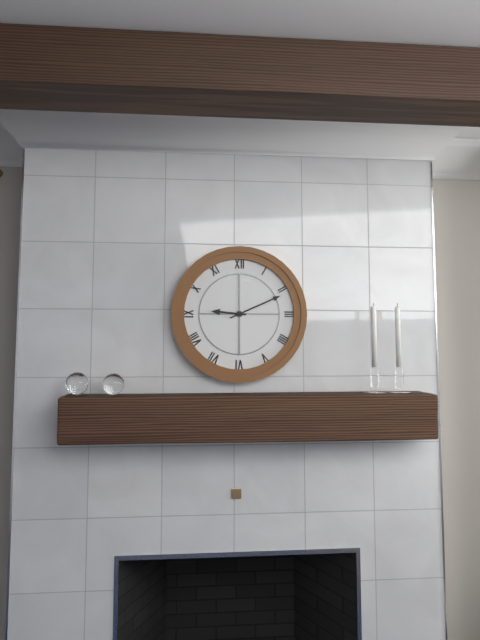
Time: **9:11**
